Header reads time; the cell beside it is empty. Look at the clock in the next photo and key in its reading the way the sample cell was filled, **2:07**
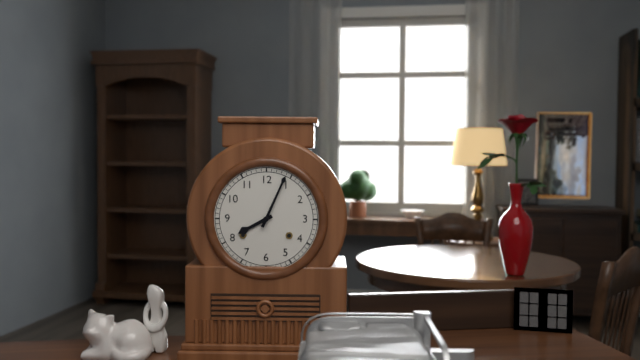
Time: **8:04**
